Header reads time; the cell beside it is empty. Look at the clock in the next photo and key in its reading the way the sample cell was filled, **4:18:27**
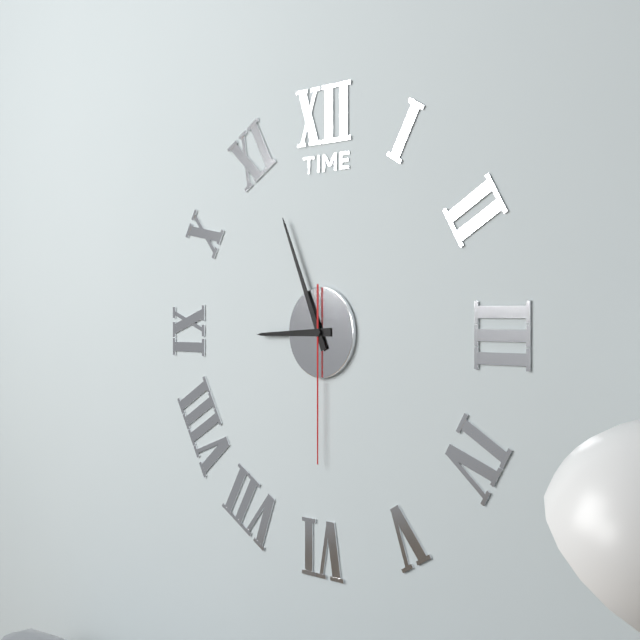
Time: **8:56:30**
